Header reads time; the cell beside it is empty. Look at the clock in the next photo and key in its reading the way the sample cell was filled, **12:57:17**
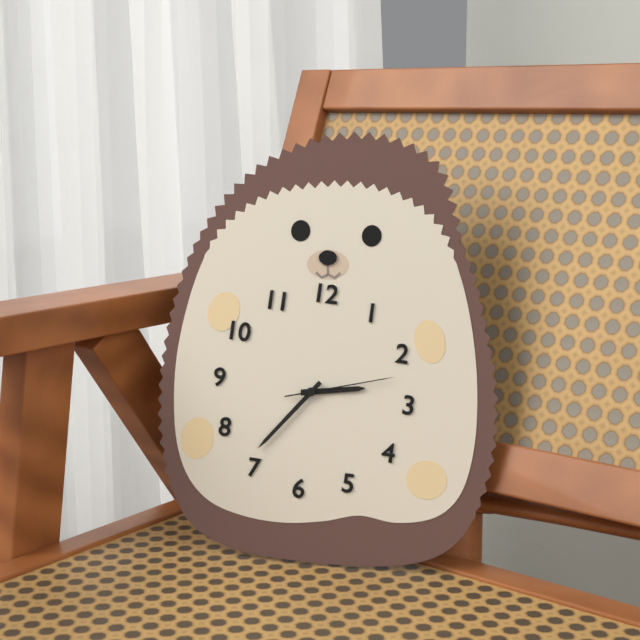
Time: **2:36:12**
